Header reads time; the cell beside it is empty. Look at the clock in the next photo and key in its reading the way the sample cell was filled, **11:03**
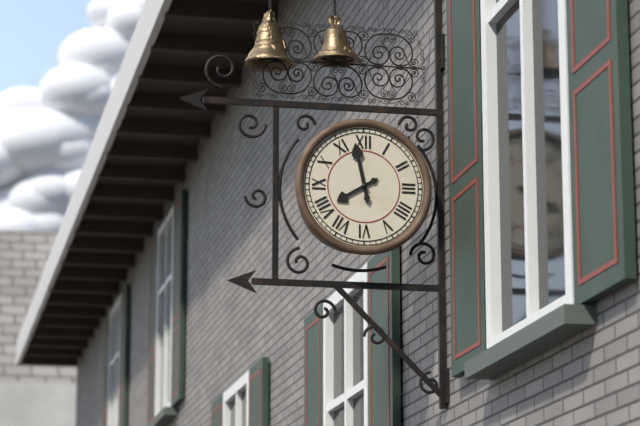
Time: **7:58**
